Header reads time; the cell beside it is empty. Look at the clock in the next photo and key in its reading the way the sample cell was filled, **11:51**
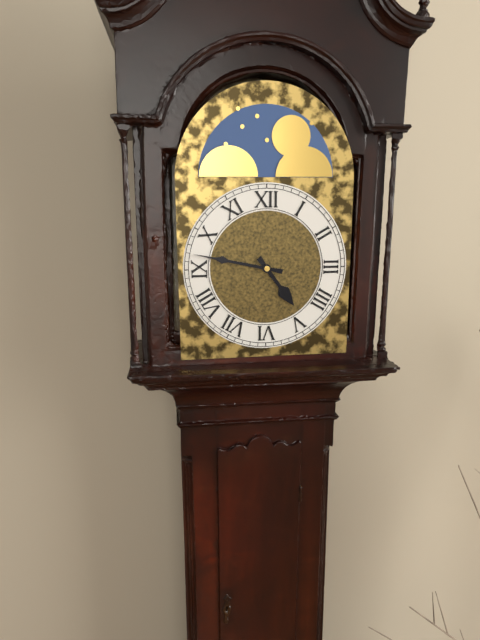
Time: **4:47**
